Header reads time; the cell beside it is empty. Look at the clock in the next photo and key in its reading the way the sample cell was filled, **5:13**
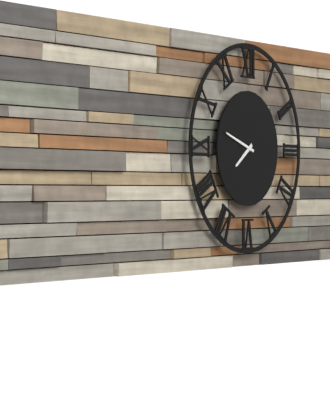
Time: **7:48**
